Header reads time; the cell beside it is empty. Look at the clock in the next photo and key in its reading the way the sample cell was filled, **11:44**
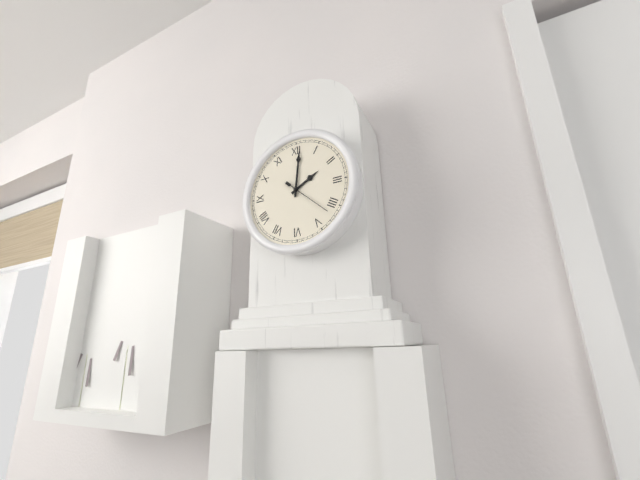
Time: **2:01**
